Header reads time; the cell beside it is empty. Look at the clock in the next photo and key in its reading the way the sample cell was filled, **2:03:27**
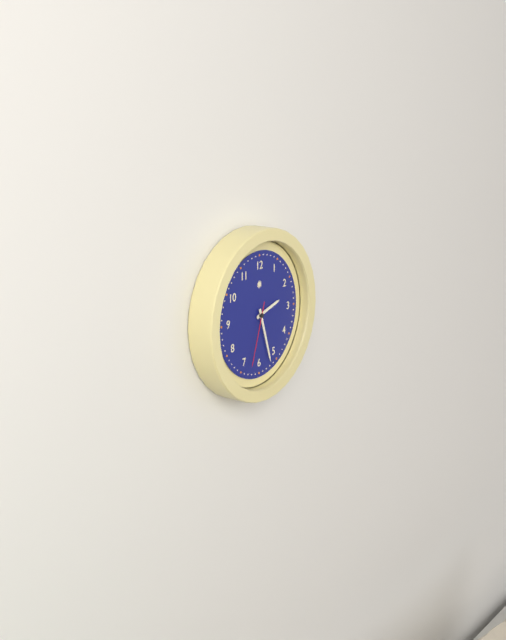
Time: **2:27:33**
